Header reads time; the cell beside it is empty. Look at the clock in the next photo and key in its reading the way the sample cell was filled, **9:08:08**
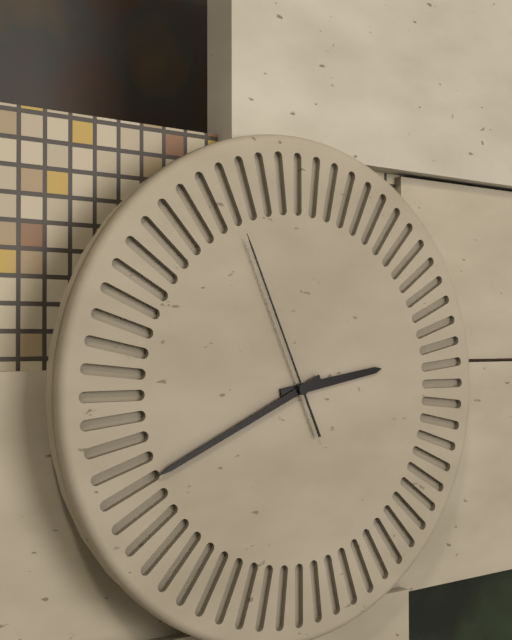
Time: **2:41:56**
